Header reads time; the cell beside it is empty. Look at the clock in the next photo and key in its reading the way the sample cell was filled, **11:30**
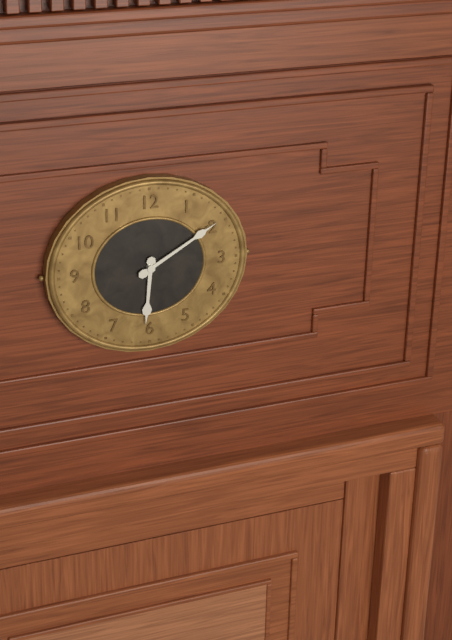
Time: **6:10**
